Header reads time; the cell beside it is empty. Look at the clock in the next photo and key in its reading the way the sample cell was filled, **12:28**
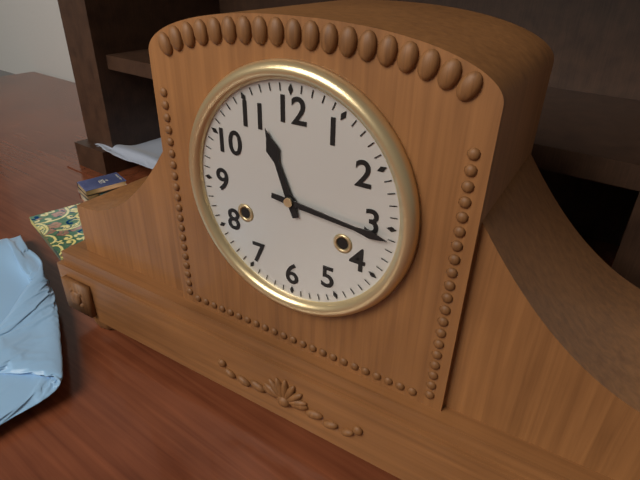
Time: **11:16**
